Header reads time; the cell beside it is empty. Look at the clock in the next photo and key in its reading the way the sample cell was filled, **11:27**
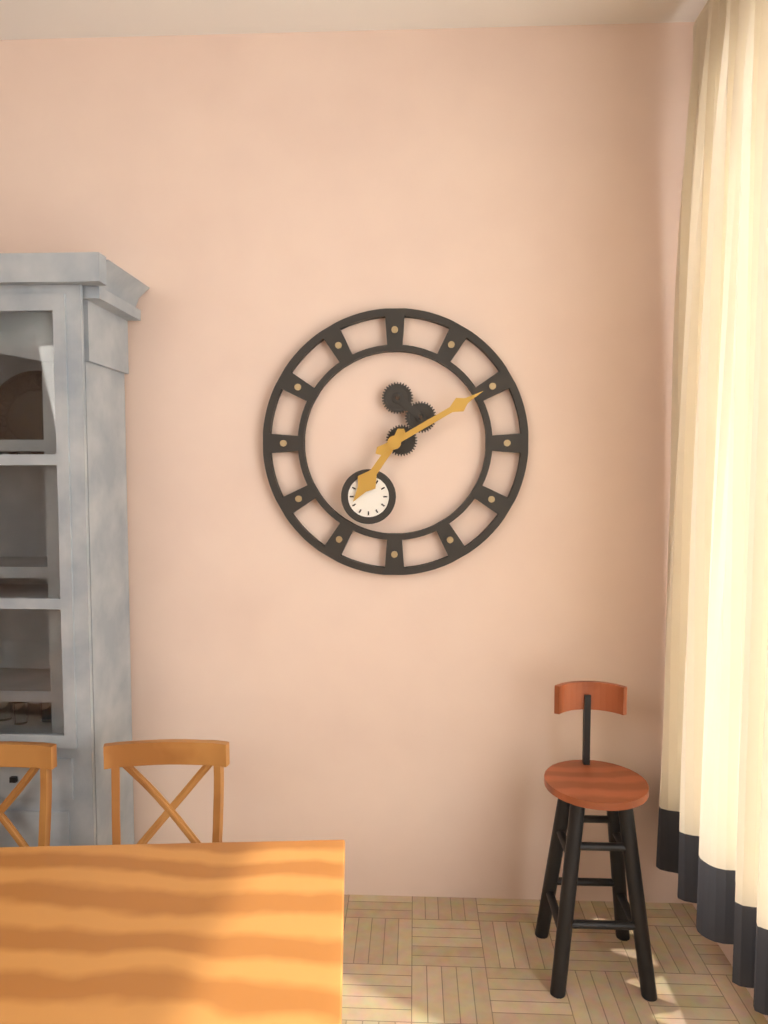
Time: **7:10**
